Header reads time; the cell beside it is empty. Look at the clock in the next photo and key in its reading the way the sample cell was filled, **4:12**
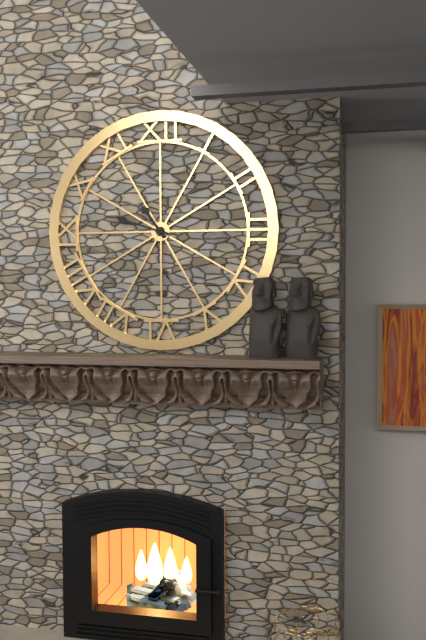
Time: **10:48**
